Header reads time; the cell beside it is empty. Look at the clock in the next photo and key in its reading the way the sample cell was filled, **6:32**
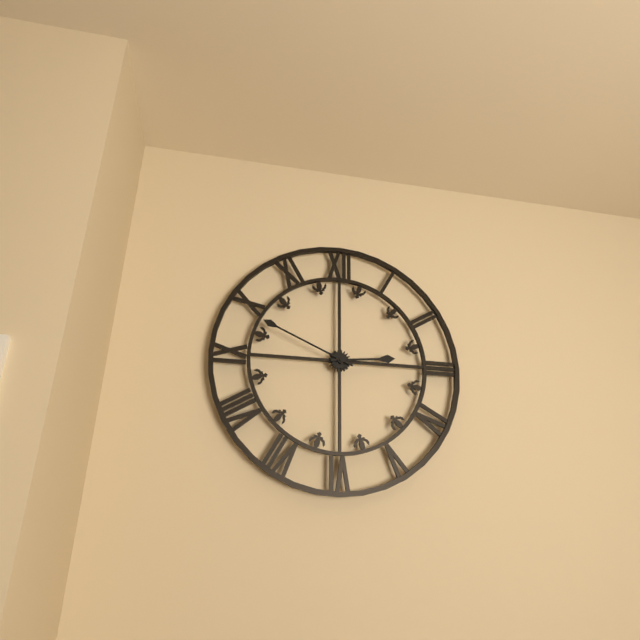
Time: **2:49**
